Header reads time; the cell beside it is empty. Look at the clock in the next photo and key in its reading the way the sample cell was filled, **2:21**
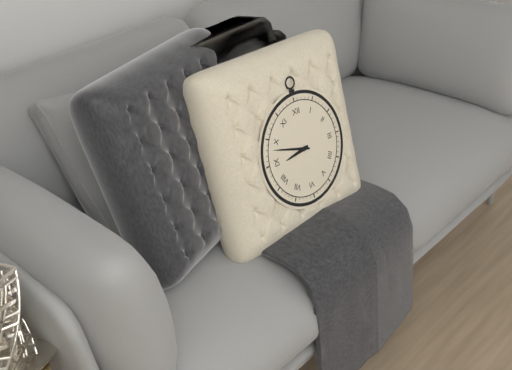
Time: **8:48**
